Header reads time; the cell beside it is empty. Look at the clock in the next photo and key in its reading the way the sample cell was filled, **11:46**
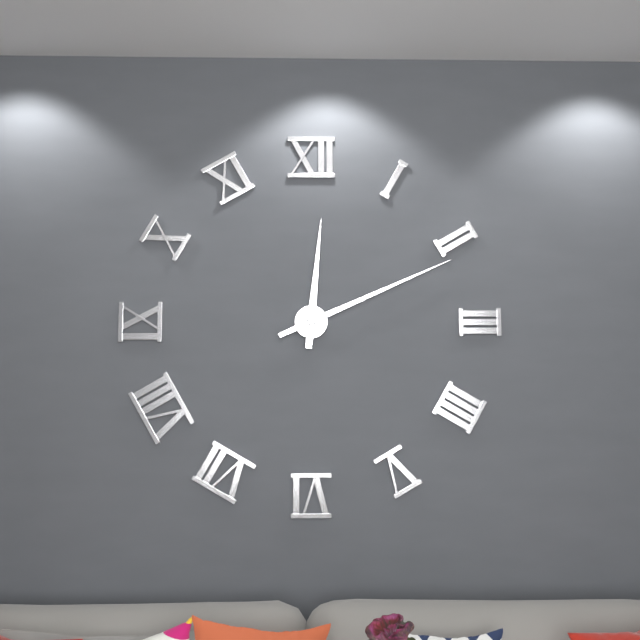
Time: **12:11**
